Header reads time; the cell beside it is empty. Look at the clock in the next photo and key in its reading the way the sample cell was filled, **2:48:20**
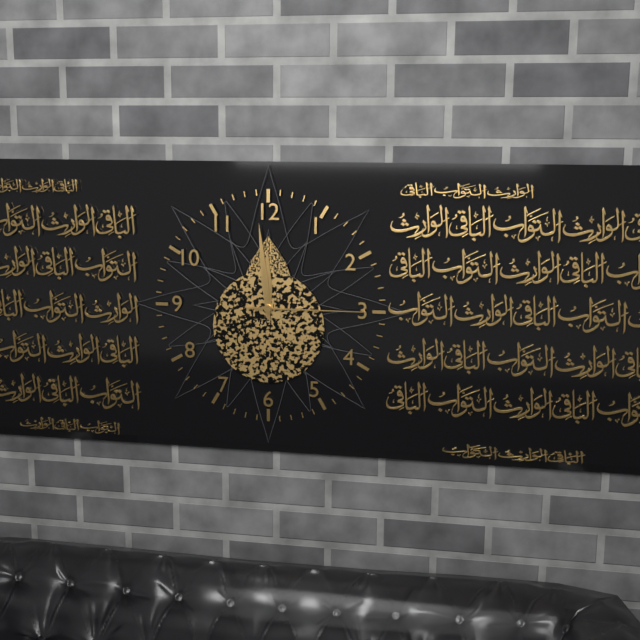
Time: **11:59:15**
